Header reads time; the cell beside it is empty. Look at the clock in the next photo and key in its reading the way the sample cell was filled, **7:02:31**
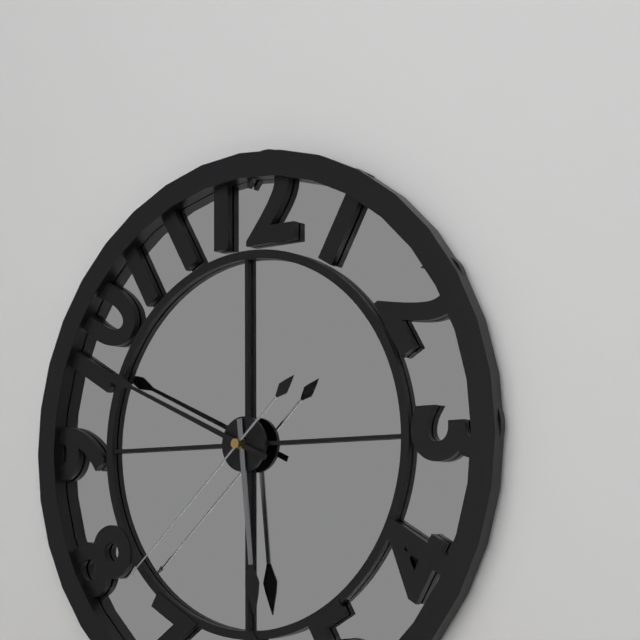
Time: **5:49:38**
